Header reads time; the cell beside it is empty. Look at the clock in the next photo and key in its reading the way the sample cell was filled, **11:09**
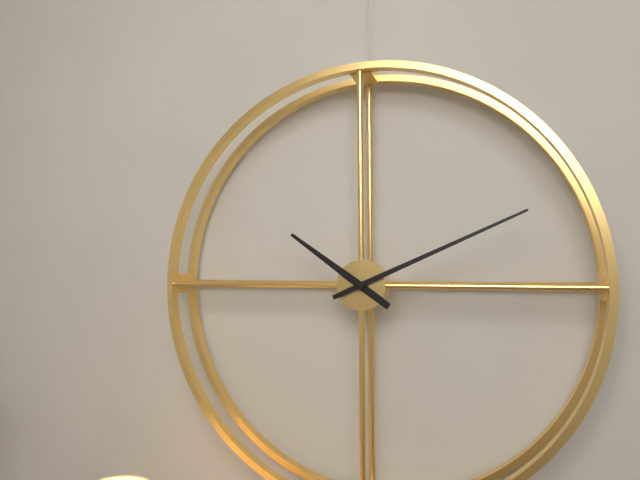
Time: **10:11**
